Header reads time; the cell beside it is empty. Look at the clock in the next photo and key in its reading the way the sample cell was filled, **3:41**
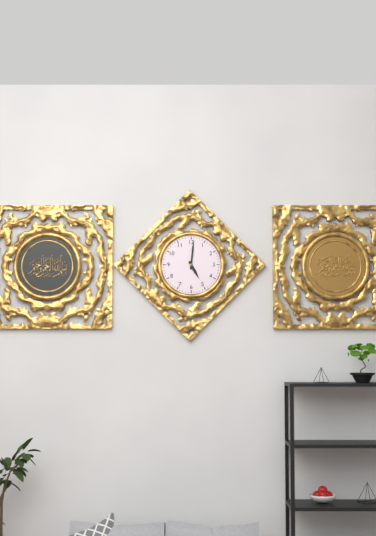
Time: **5:01**
